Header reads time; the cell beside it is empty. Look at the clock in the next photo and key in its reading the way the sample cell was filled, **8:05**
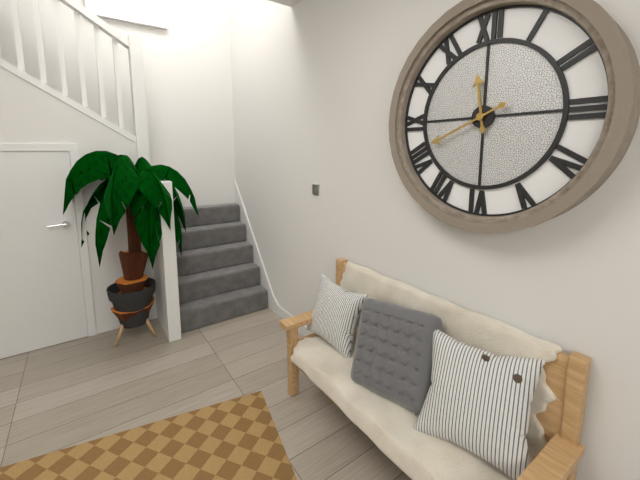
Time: **11:41**
